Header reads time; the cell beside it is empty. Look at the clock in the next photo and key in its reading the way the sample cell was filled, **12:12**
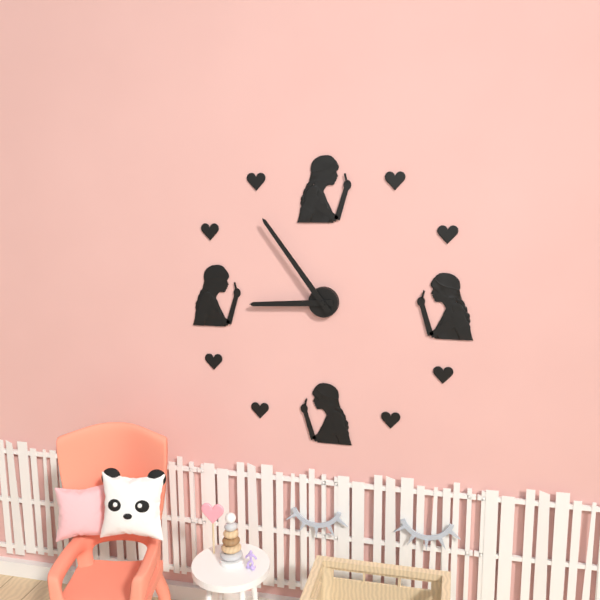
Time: **8:54**
